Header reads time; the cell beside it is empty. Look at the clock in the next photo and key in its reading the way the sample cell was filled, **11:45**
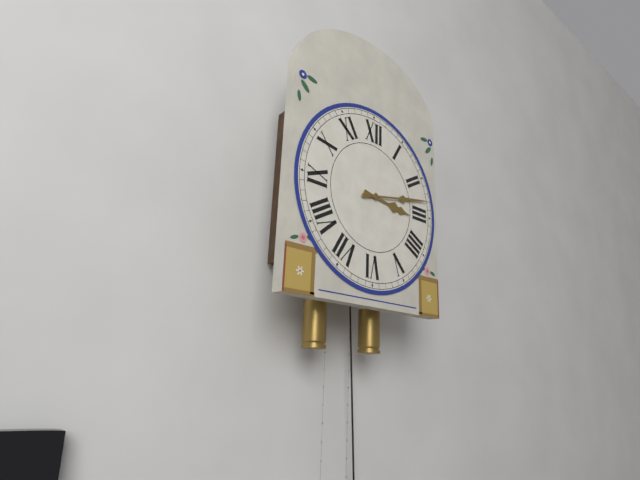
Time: **3:13**
